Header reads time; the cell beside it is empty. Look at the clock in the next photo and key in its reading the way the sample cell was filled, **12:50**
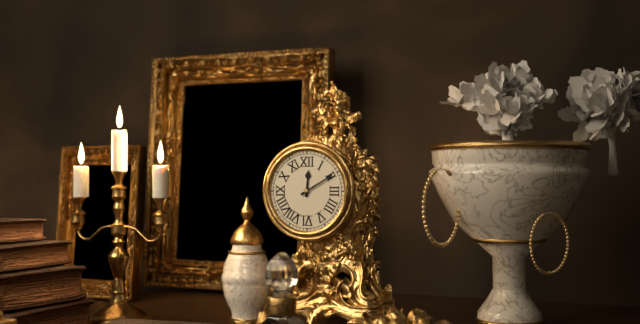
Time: **12:10**
